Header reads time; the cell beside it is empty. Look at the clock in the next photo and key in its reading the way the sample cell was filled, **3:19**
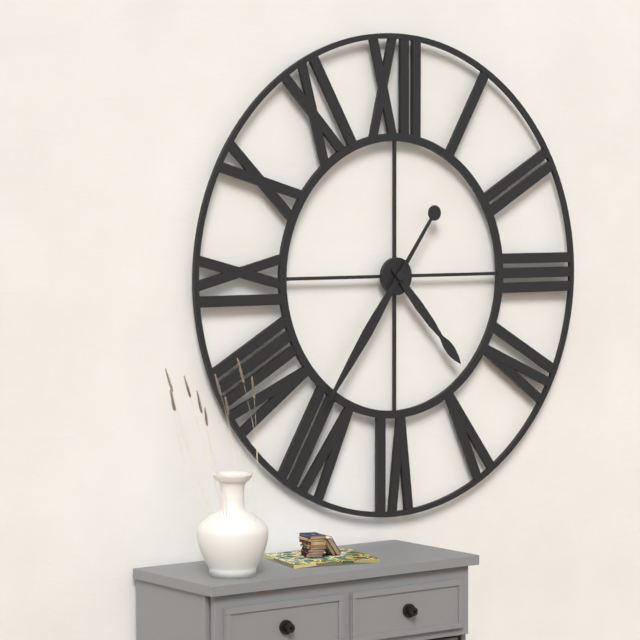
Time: **4:36**
